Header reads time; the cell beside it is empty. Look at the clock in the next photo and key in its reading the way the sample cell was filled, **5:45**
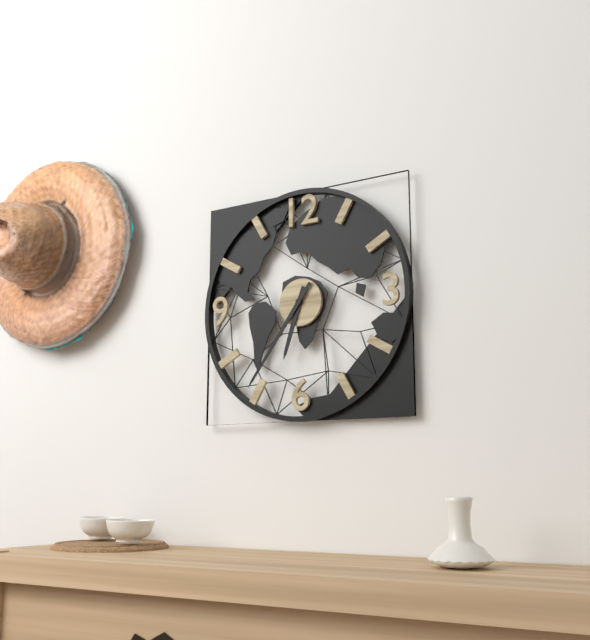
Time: **6:36**
